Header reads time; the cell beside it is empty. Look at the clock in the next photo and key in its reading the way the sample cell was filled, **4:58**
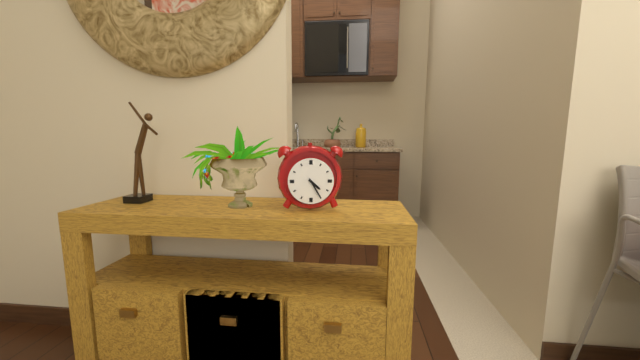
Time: **4:25**
